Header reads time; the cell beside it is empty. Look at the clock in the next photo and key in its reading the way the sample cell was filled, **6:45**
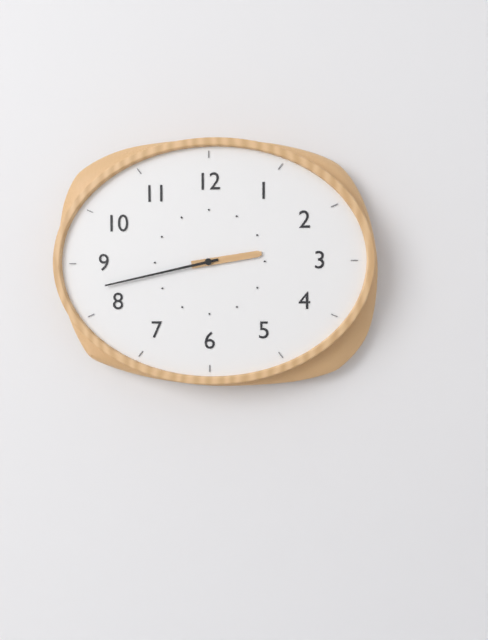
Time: **2:43**
